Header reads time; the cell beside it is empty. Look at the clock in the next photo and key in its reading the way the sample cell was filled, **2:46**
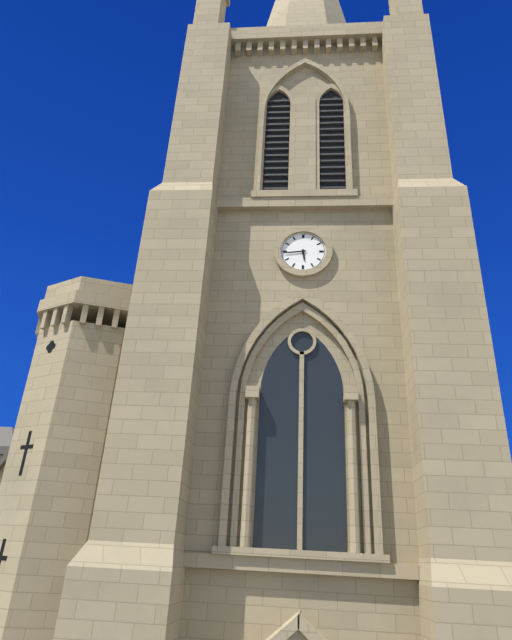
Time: **5:44**
